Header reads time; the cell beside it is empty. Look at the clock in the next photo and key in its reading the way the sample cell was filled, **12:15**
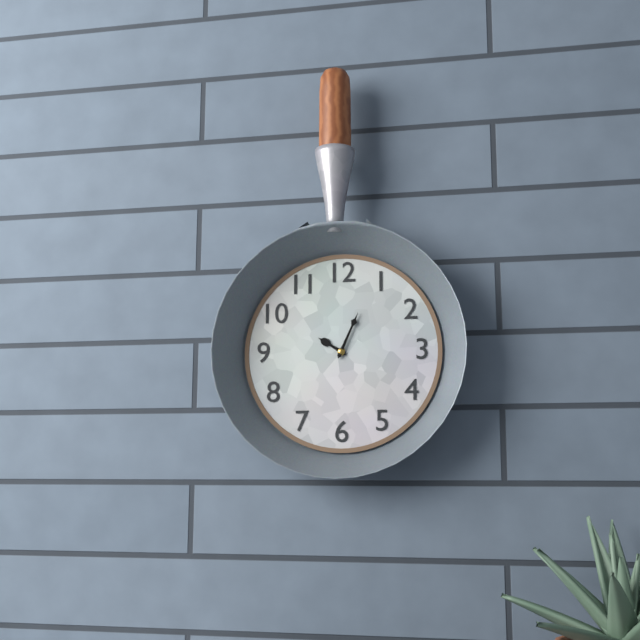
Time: **10:04**
